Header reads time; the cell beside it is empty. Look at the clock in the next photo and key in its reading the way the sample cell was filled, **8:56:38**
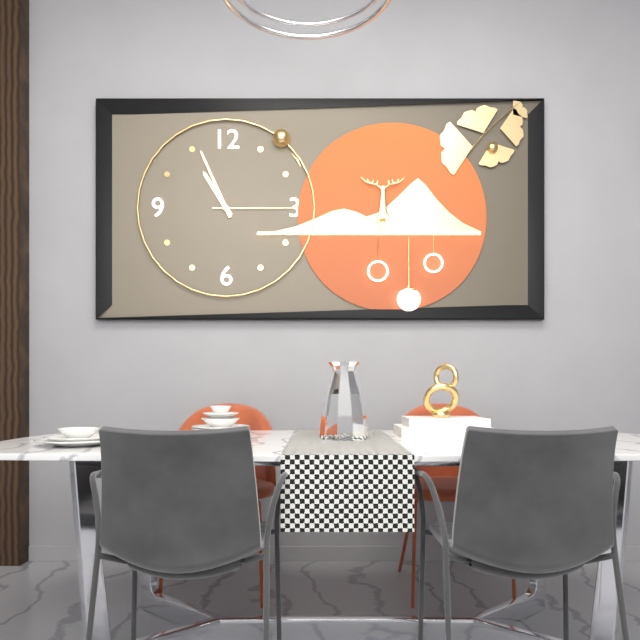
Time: **10:56:15**
